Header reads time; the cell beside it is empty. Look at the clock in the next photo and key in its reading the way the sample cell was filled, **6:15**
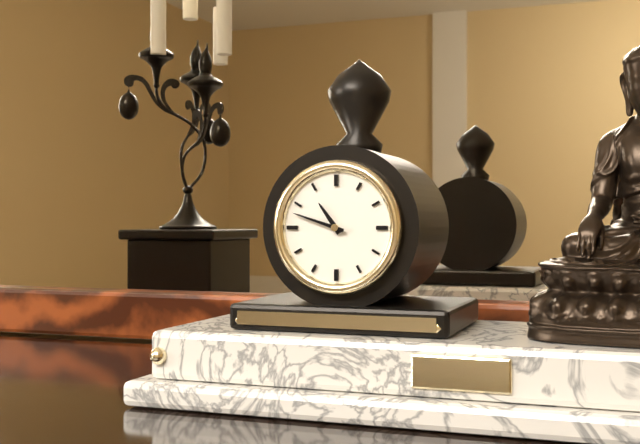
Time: **10:48**
